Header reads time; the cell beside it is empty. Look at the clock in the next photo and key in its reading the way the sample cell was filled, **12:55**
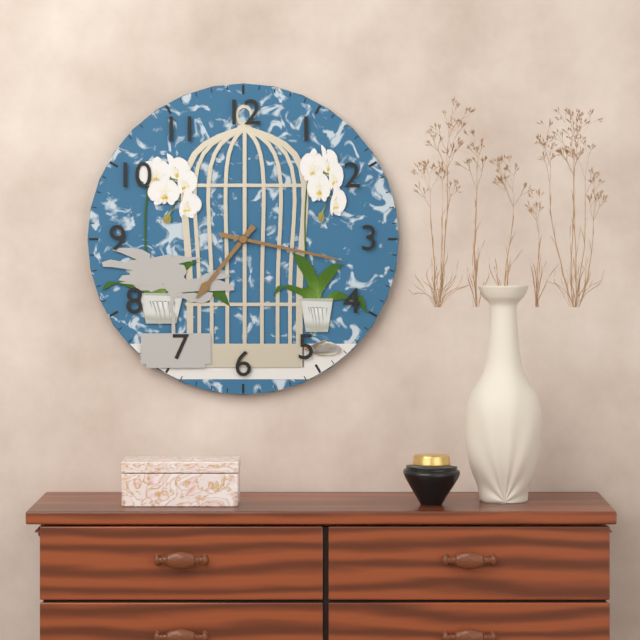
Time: **7:17**
